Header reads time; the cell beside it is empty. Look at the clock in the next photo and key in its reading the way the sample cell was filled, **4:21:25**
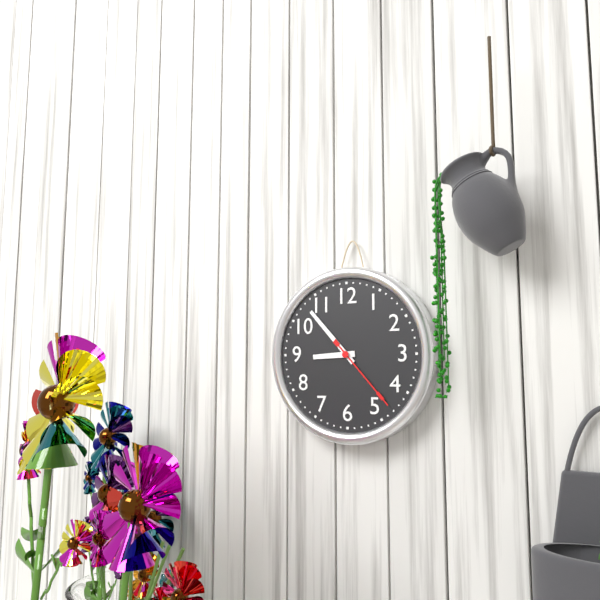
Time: **8:53:23**
